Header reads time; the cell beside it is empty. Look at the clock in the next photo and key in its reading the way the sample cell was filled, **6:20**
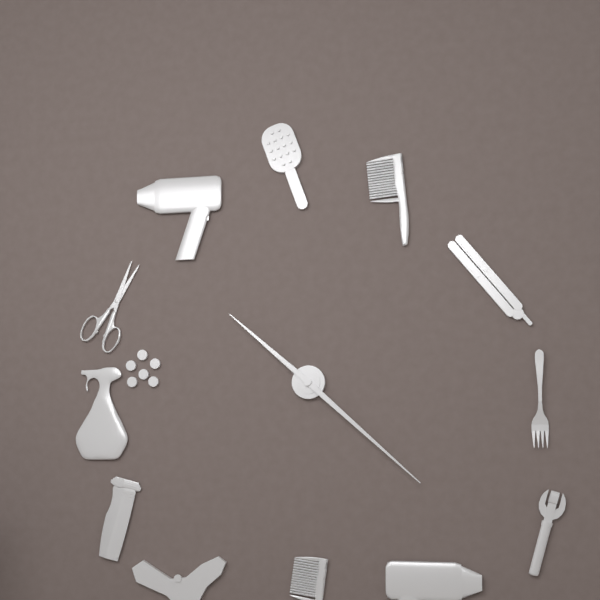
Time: **10:22**
